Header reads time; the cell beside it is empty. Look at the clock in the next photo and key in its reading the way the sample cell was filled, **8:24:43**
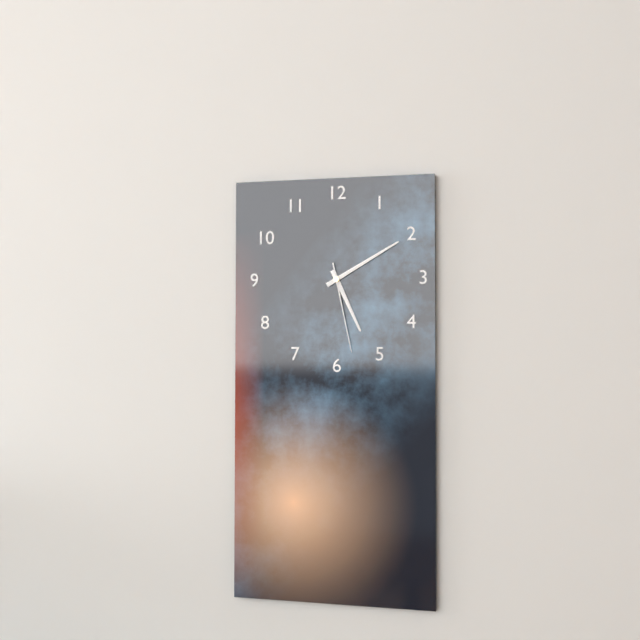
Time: **5:10:28**
